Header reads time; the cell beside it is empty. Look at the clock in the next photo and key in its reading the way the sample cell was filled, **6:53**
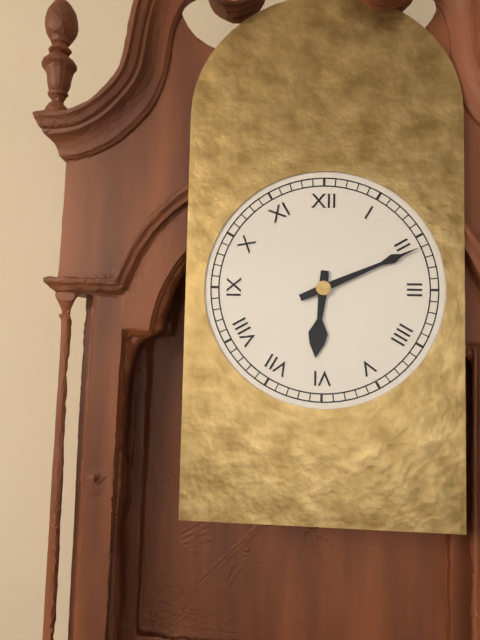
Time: **6:11**
